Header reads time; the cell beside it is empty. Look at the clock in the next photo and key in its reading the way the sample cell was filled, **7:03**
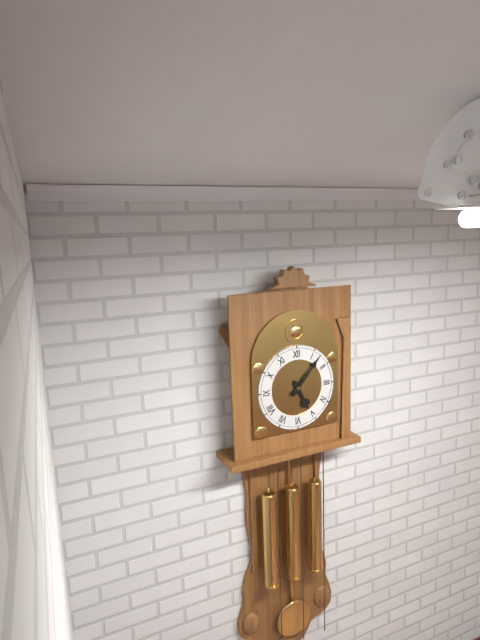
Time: **5:07**
